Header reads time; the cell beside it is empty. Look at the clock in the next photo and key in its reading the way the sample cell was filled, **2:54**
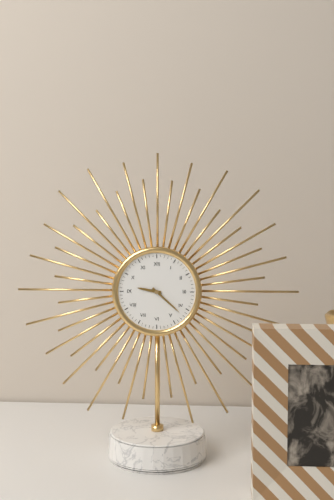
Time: **9:22**
